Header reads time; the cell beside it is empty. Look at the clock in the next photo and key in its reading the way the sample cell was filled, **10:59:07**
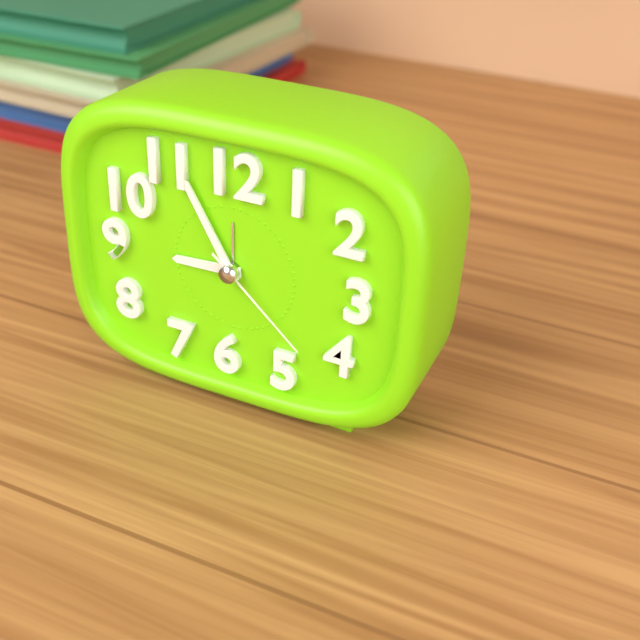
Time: **8:55:22**
